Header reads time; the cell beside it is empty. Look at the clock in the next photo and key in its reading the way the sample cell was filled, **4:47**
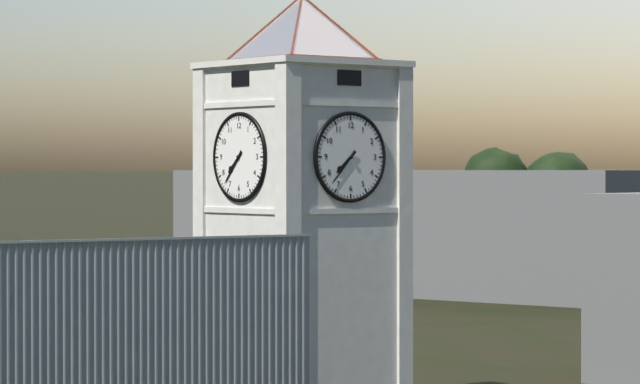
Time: **7:37**
